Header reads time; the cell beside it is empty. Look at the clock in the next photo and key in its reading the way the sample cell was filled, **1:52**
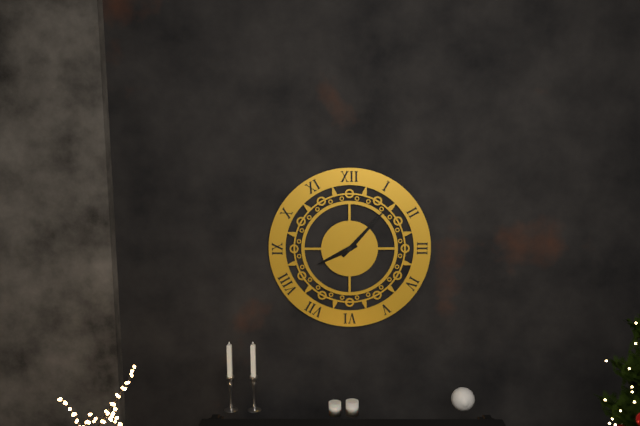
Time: **8:07**
